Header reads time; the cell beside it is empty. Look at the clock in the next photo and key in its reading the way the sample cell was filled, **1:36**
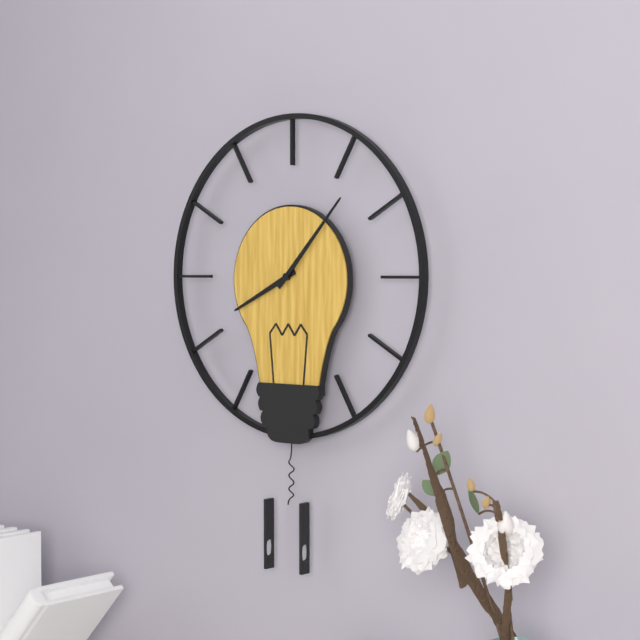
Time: **8:07**
